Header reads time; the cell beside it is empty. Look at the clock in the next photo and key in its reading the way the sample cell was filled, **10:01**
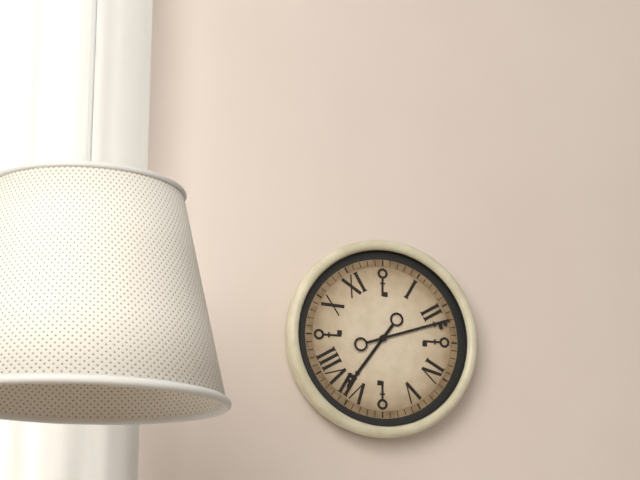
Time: **7:12**
